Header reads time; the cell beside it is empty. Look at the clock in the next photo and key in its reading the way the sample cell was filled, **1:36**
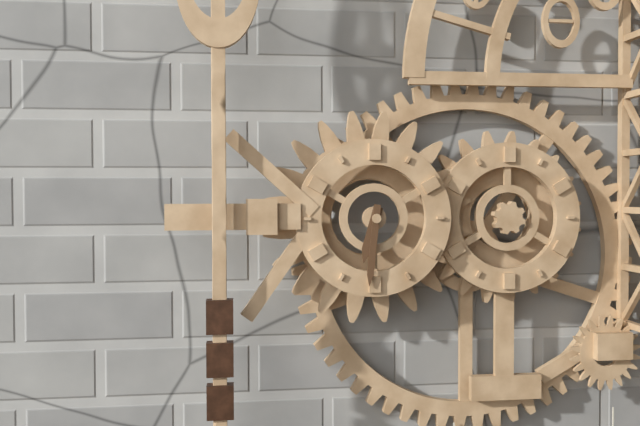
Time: **6:31**
